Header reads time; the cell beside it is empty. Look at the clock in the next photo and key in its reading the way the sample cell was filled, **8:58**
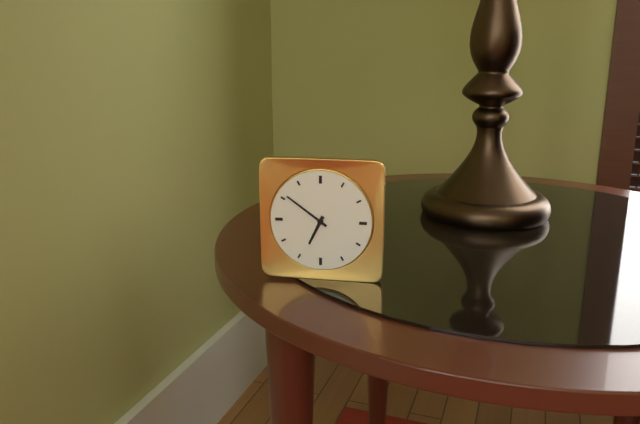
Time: **6:51**
